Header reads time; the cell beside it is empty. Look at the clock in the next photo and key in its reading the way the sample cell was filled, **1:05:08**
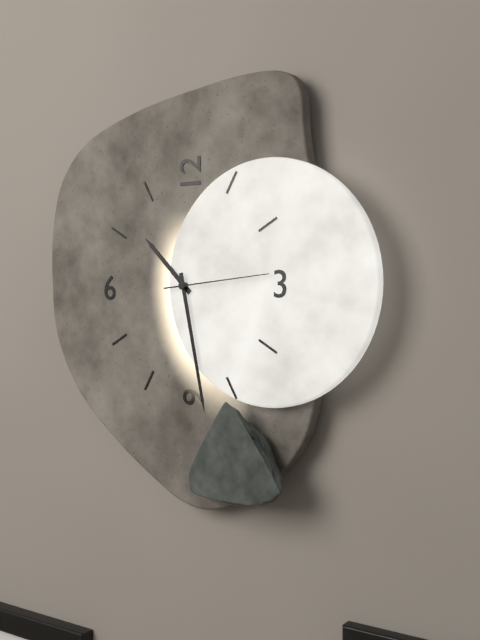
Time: **10:28:14**
